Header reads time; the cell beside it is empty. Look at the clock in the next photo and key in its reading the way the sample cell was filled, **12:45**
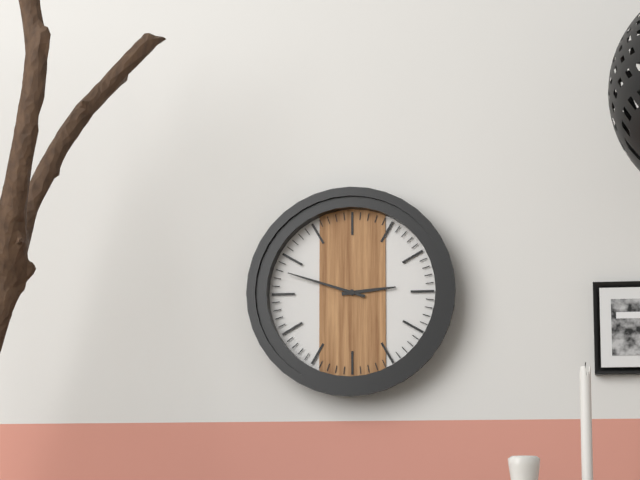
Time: **2:48**
